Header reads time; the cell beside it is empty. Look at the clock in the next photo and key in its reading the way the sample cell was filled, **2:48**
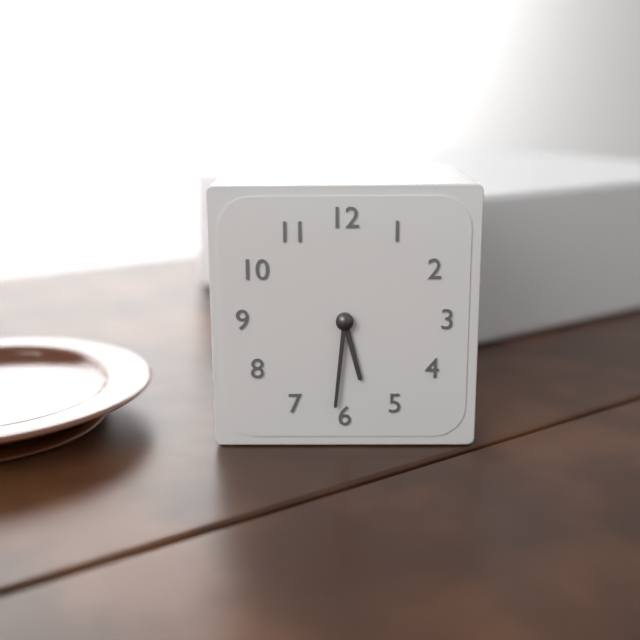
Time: **5:31**
